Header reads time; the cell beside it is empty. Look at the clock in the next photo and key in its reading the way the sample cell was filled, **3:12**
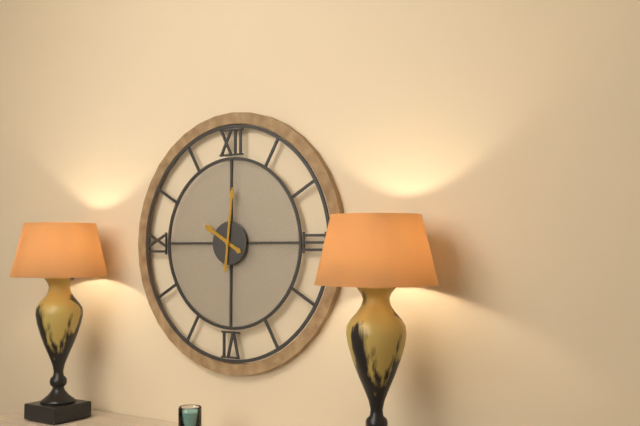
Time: **10:01**
